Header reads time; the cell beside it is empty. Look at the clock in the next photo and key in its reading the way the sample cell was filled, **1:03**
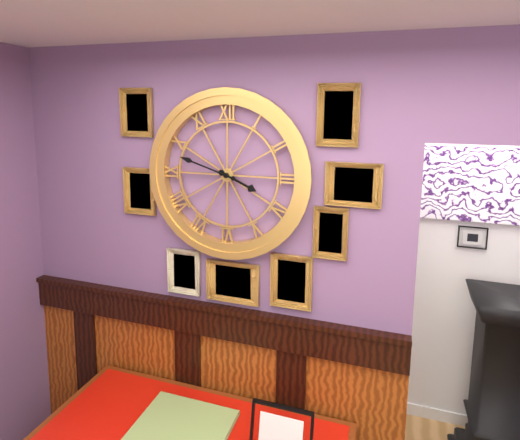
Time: **3:48**
